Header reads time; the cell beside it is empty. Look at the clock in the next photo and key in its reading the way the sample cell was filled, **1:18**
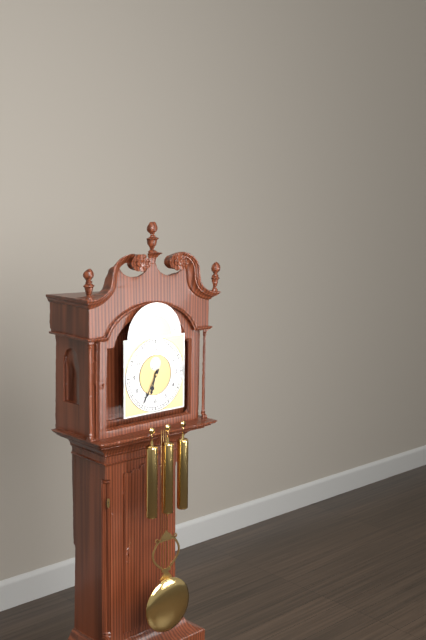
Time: **6:35**
